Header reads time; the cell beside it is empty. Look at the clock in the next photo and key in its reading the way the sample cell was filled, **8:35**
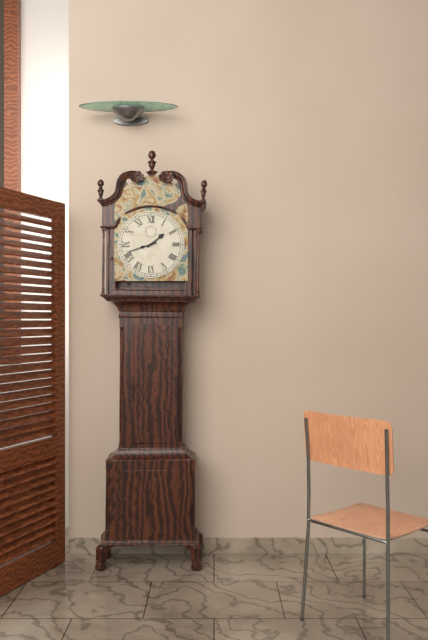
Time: **1:42**
